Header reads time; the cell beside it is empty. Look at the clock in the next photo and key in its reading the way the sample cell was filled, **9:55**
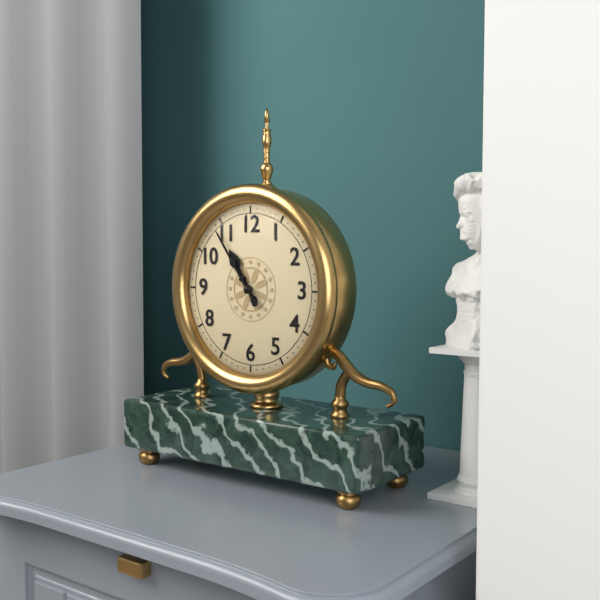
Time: **10:54**
